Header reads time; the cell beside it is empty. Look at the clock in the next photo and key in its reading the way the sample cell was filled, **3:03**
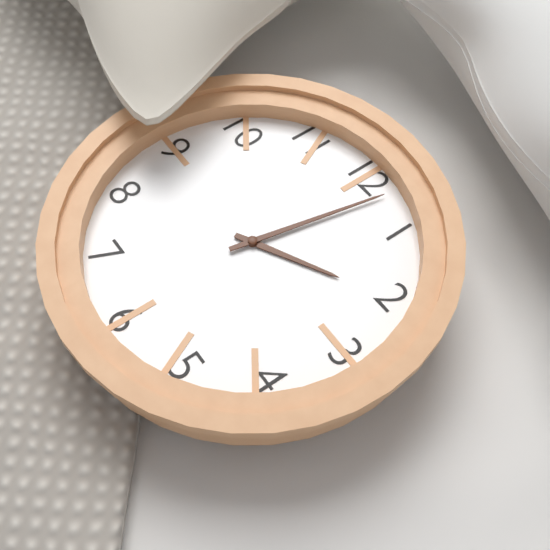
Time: **2:02**
